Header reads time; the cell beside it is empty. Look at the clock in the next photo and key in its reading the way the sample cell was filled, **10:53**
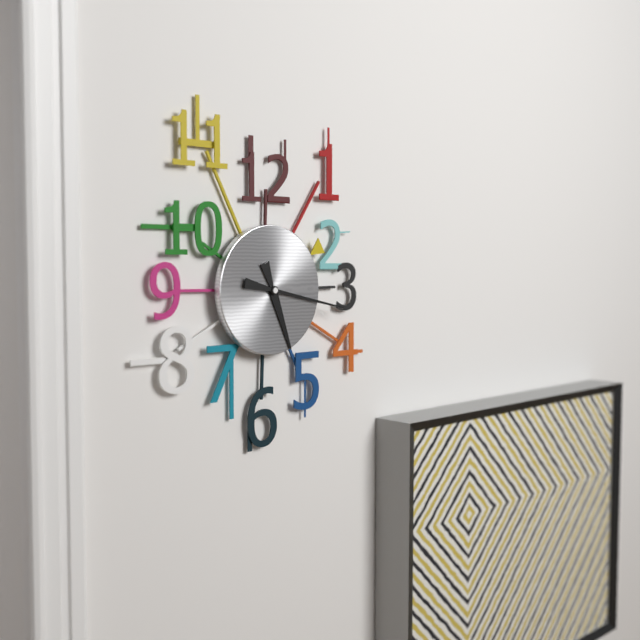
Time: **5:17**
